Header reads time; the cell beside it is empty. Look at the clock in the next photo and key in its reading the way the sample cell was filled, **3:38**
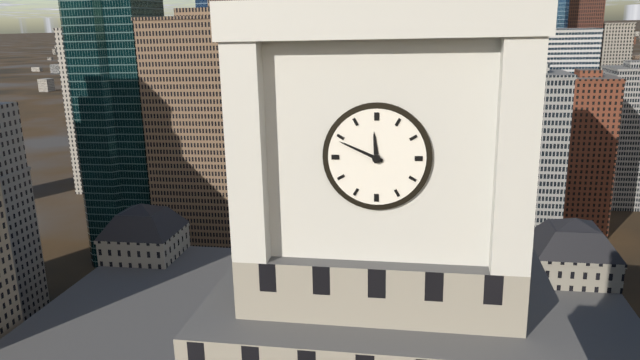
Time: **11:49**
